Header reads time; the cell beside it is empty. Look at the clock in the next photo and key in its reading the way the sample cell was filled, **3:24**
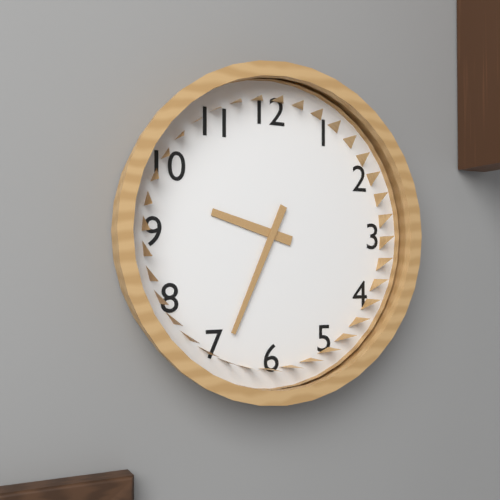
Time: **9:34**
